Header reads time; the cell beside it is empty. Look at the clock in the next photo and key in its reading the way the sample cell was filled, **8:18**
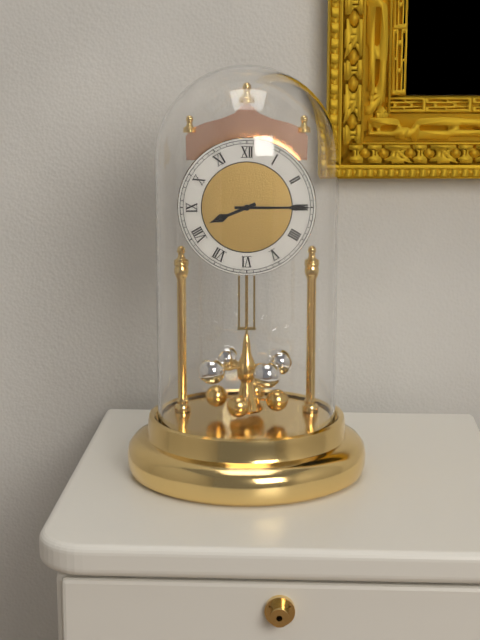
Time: **8:15**
